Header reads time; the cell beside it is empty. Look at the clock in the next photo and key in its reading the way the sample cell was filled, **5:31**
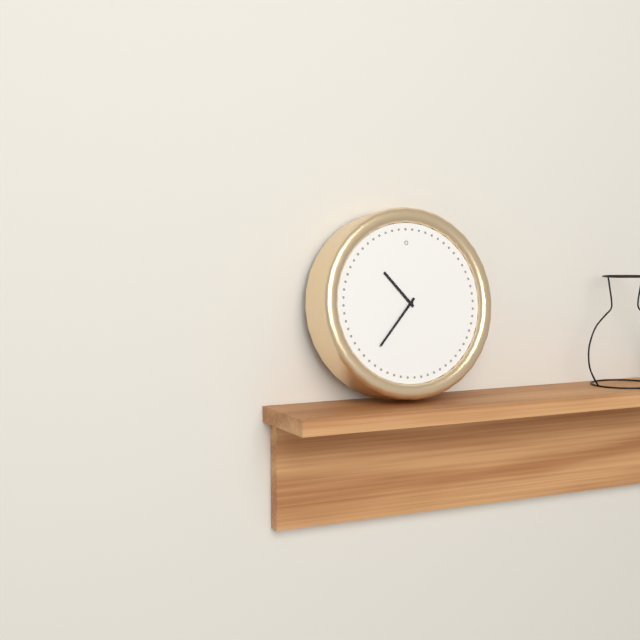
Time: **10:37**
